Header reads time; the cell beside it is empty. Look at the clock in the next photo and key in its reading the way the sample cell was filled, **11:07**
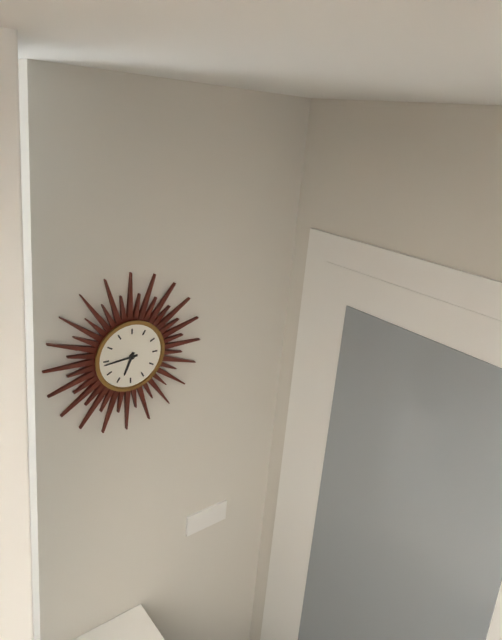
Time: **6:44**
